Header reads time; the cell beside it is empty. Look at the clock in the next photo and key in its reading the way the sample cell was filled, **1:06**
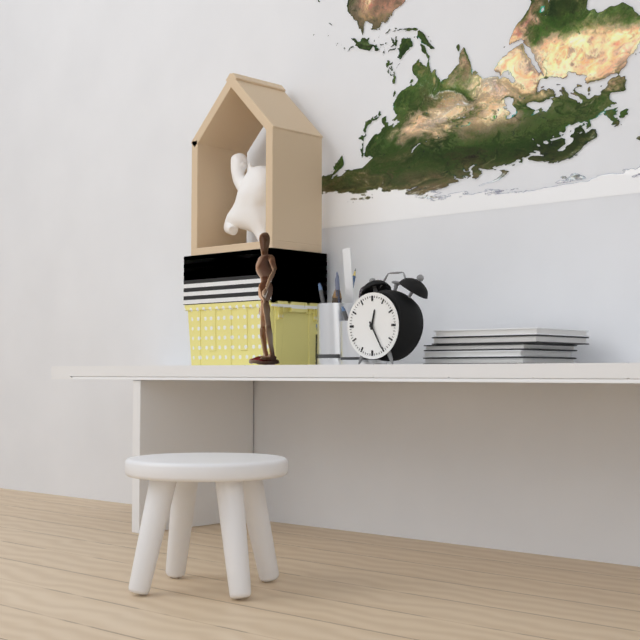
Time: **12:25**
